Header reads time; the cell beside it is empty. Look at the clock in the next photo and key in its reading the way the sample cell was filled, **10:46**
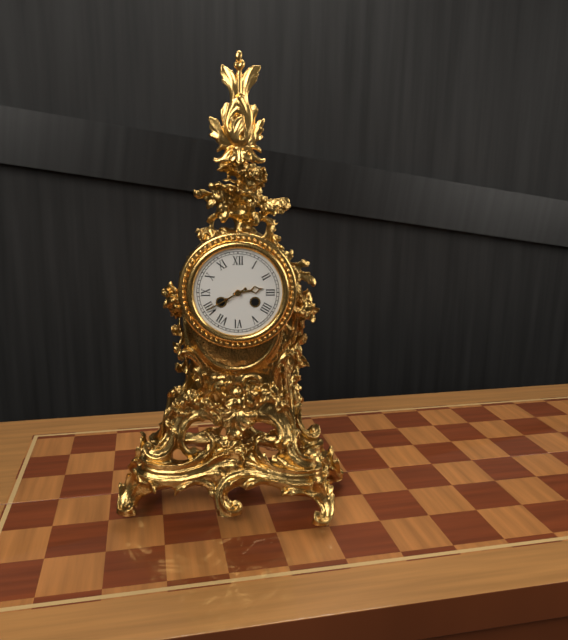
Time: **2:40**
